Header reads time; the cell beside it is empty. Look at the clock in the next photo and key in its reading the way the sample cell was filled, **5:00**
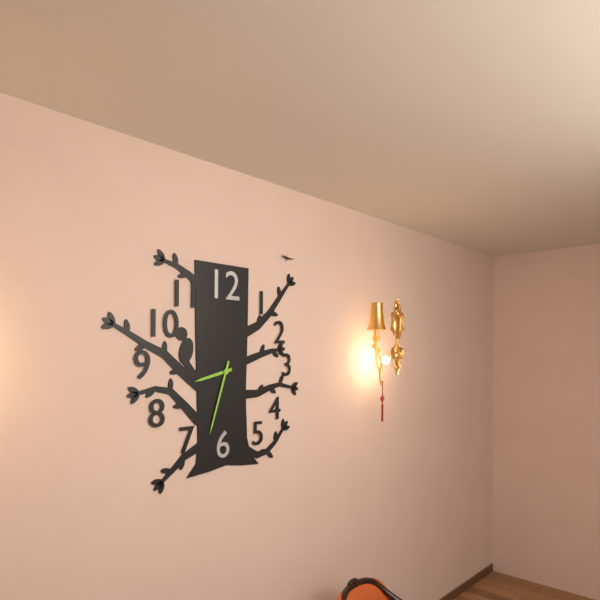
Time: **8:33**
